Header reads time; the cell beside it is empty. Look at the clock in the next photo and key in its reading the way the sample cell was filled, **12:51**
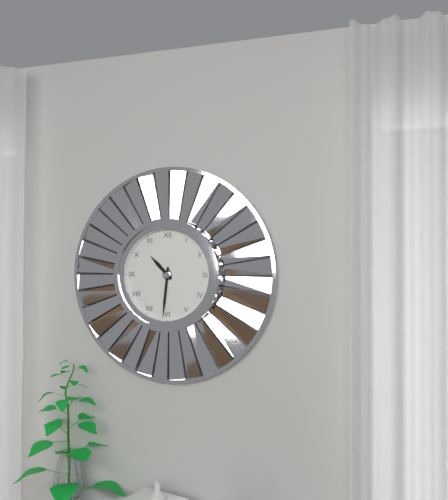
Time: **10:31**
